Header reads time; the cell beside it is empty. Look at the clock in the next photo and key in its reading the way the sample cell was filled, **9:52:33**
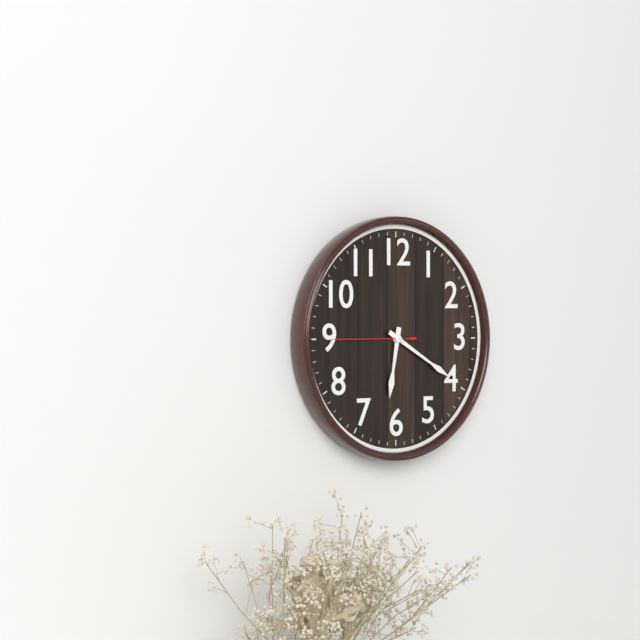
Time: **6:20:45**
